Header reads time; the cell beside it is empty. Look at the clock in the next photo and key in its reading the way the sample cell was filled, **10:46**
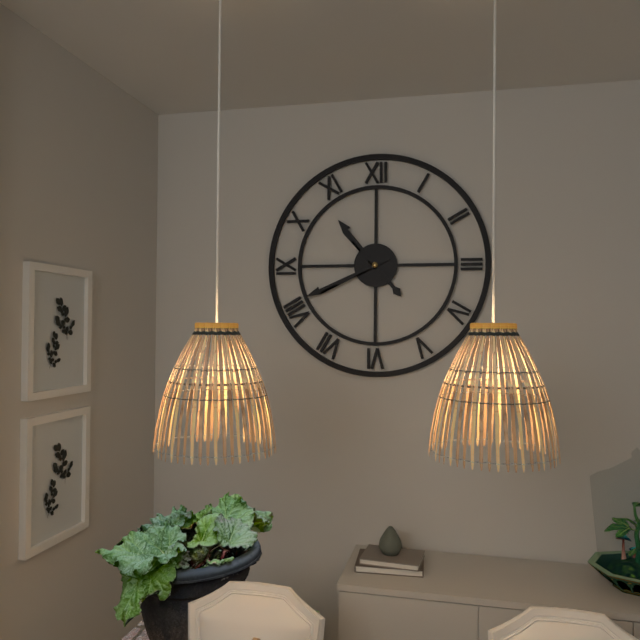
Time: **10:41**
